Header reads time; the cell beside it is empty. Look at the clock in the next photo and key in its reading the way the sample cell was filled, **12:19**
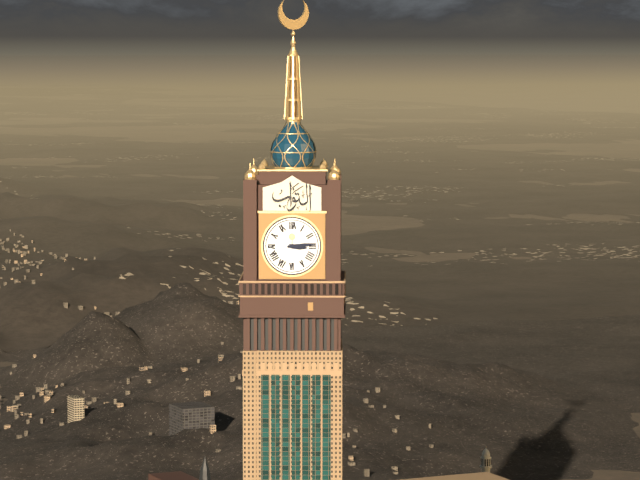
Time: **3:14**
